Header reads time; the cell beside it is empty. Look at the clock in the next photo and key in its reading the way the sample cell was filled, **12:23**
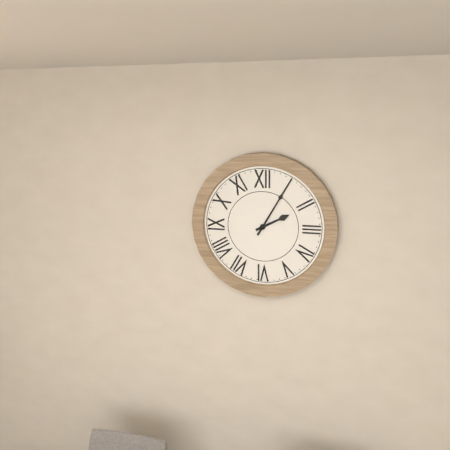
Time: **2:05**
